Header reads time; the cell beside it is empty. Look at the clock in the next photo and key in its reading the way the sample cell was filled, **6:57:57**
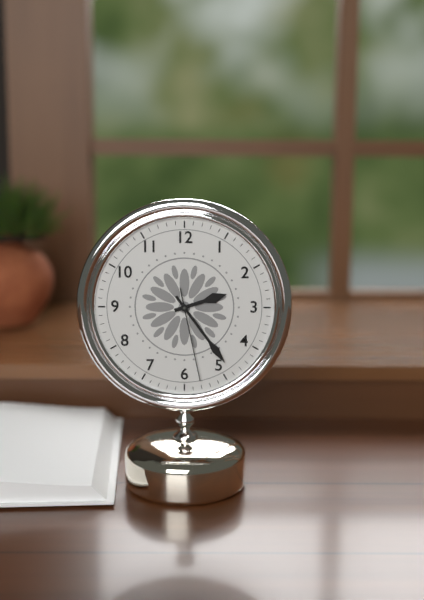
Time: **2:24:28**
